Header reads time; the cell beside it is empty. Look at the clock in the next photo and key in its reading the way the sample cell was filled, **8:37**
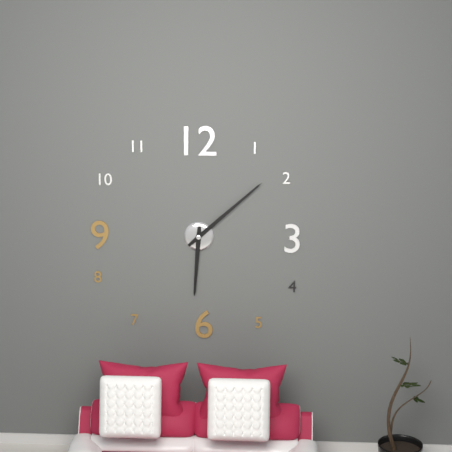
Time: **6:08**
